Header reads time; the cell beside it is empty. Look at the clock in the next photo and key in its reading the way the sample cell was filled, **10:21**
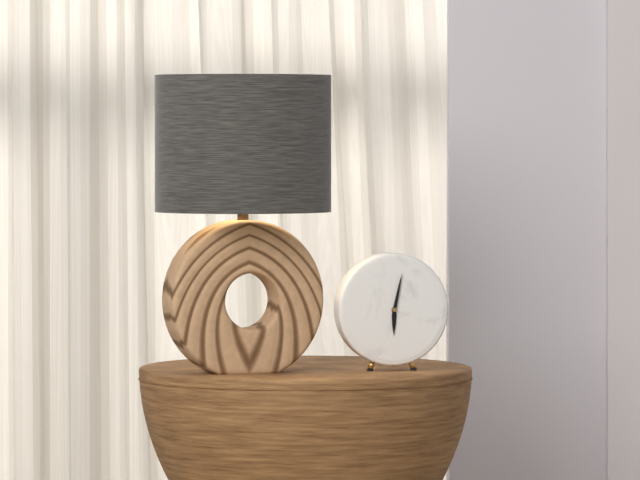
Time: **6:02**
